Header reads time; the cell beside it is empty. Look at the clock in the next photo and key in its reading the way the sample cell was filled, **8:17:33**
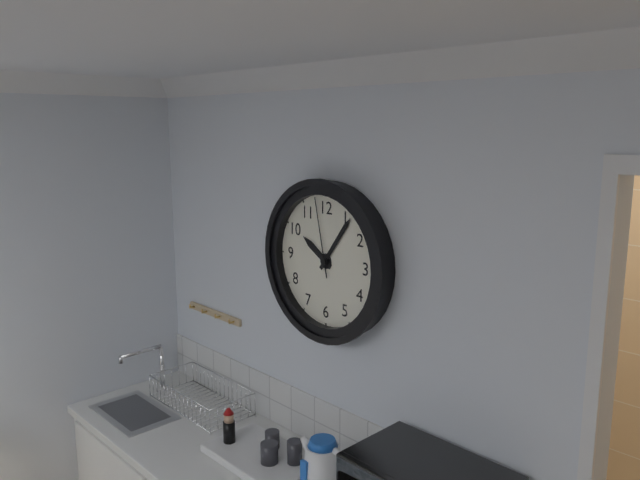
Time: **10:06:58**
